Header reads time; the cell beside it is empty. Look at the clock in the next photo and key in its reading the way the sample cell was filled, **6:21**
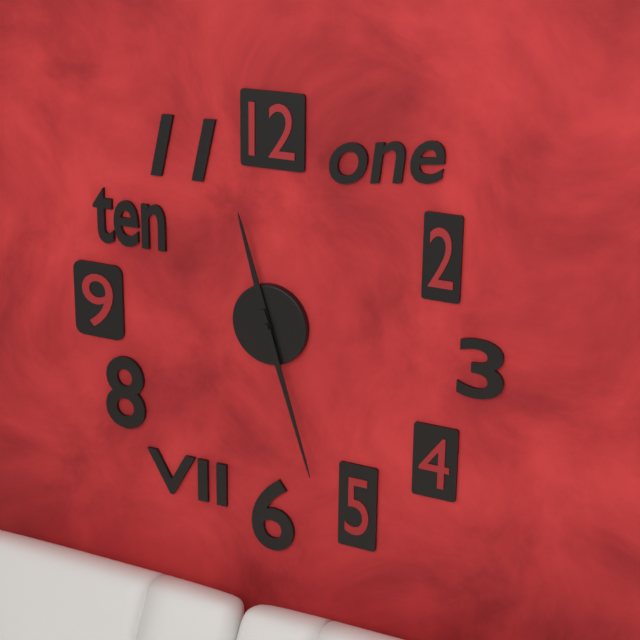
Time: **11:27**
